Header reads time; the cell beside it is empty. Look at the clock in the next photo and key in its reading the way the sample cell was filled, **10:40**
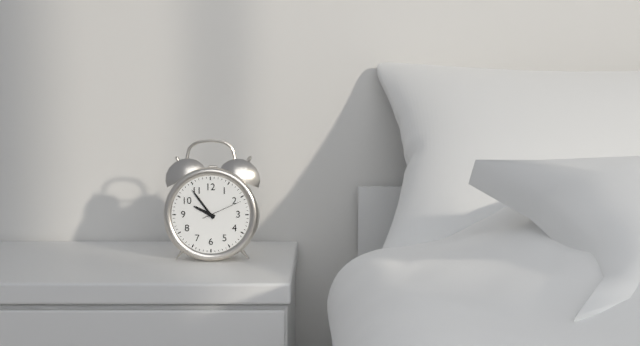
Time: **9:54**
